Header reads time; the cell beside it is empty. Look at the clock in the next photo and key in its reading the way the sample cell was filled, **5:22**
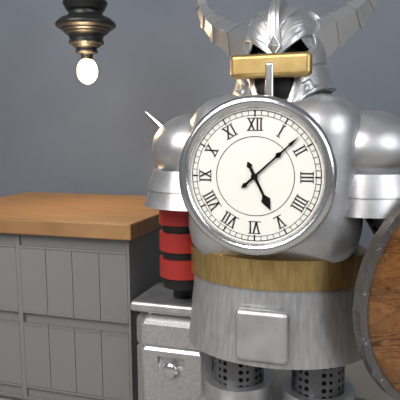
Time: **5:08**
